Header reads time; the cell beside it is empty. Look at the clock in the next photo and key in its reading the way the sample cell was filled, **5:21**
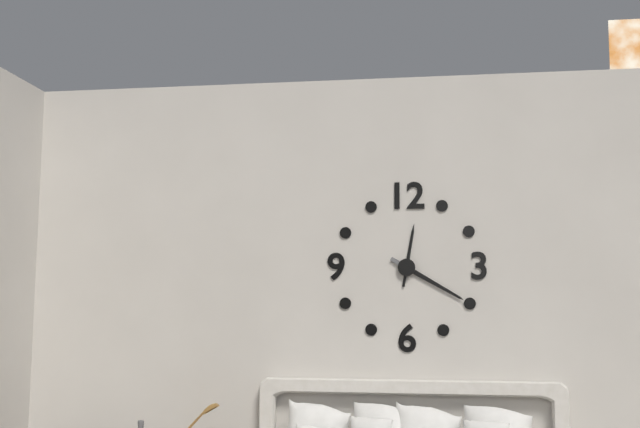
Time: **12:20**
